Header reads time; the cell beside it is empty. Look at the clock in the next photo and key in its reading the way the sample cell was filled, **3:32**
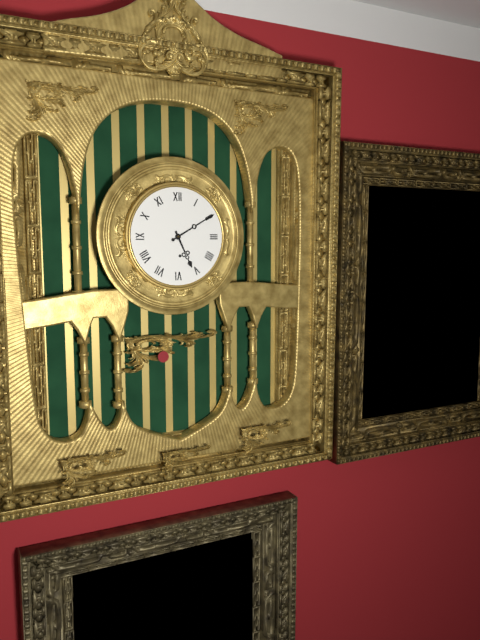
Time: **5:10**
